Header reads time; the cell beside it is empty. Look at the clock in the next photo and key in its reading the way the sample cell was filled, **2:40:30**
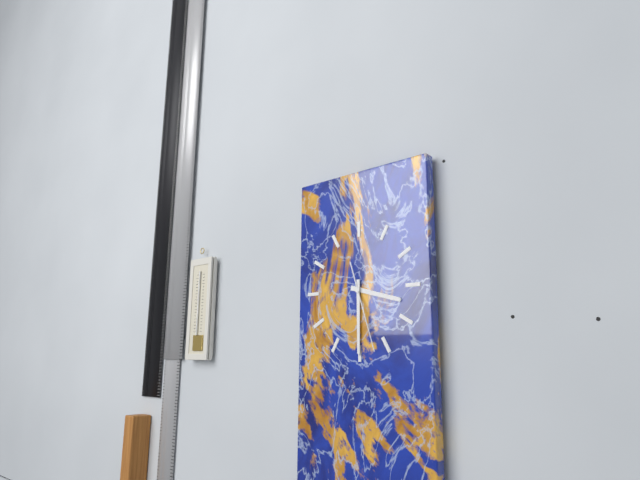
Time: **3:30:27**
